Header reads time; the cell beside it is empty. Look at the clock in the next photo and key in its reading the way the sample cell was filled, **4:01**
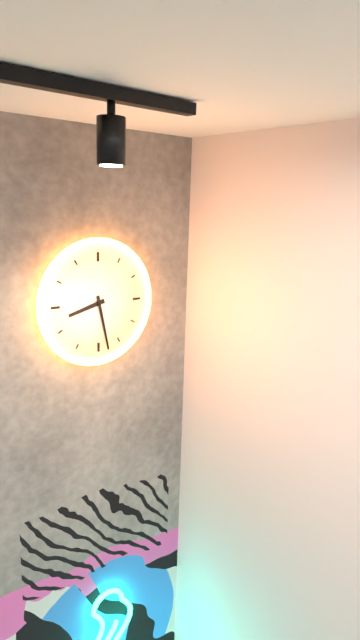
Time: **8:28**
